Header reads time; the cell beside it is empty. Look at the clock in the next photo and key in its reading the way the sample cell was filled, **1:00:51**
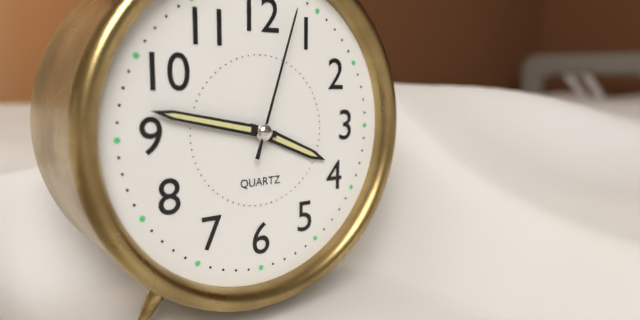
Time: **3:47:03**
